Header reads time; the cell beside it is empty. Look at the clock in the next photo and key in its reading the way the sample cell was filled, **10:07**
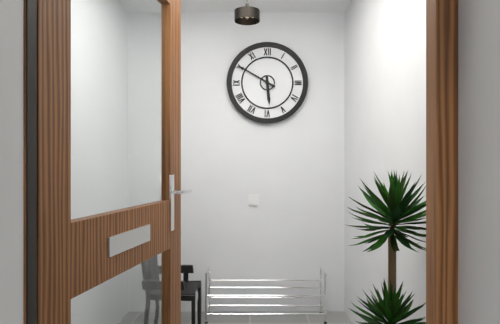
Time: **5:50**
